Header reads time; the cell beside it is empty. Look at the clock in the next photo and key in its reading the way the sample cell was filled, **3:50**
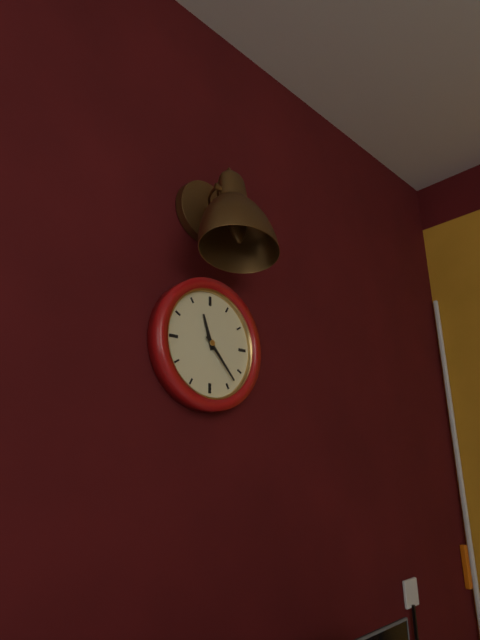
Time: **11:23**
